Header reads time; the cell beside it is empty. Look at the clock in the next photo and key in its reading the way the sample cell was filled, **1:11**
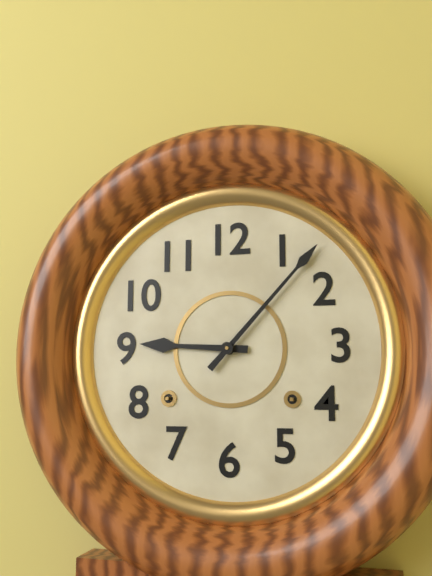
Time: **9:07**
